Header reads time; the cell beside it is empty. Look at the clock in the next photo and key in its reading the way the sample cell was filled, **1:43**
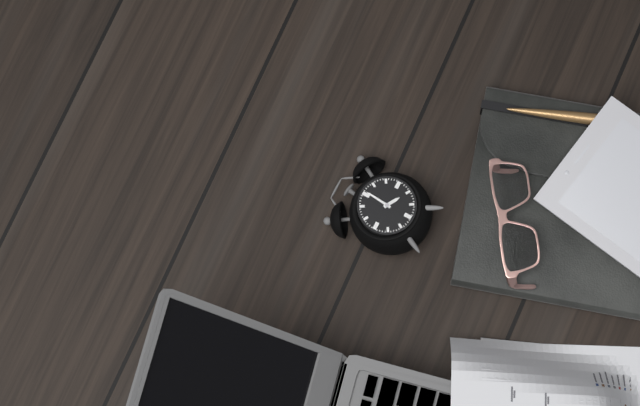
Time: **4:01**
